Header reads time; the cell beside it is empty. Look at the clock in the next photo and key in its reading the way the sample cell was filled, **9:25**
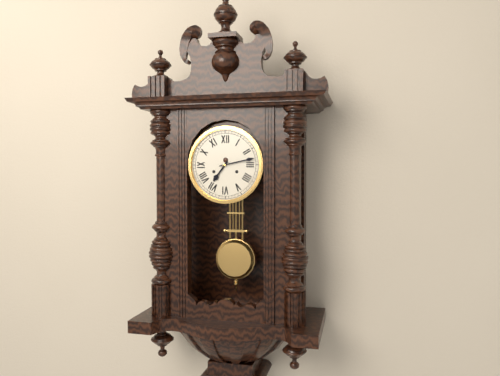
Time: **7:13**
